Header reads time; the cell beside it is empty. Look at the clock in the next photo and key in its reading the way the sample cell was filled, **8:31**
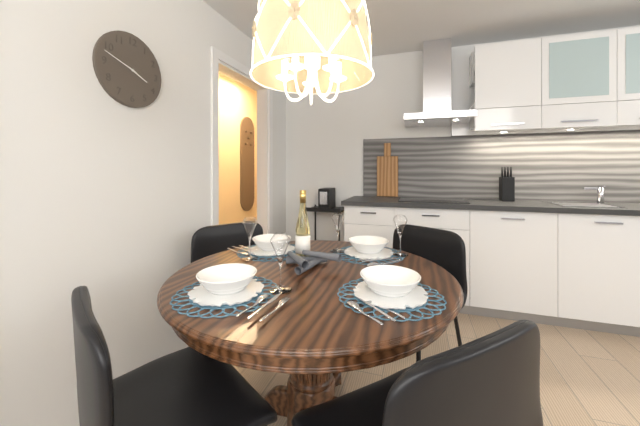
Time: **3:48**
